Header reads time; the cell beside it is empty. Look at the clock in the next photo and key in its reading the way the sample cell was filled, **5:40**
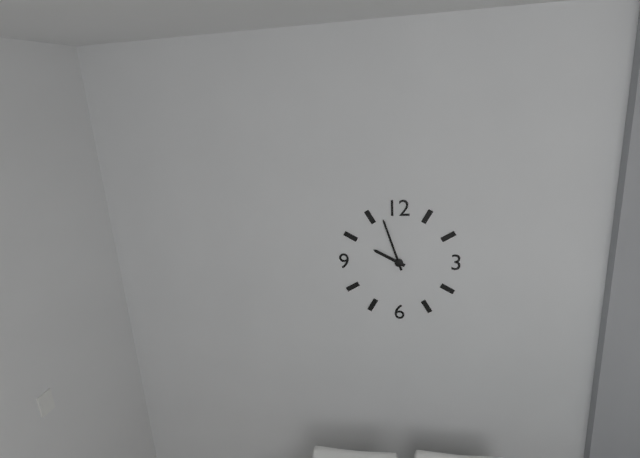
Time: **9:57**
